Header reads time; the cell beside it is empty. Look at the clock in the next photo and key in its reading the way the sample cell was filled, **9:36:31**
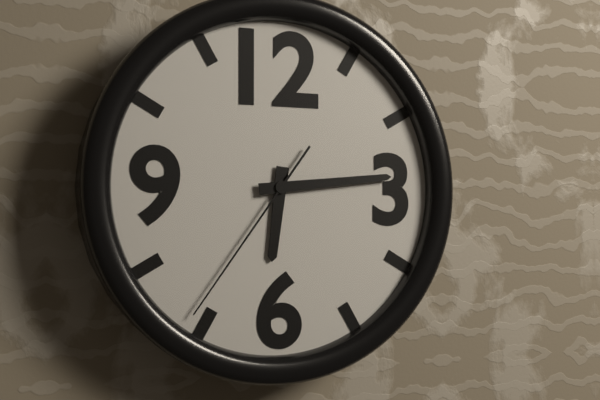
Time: **6:14:36**
